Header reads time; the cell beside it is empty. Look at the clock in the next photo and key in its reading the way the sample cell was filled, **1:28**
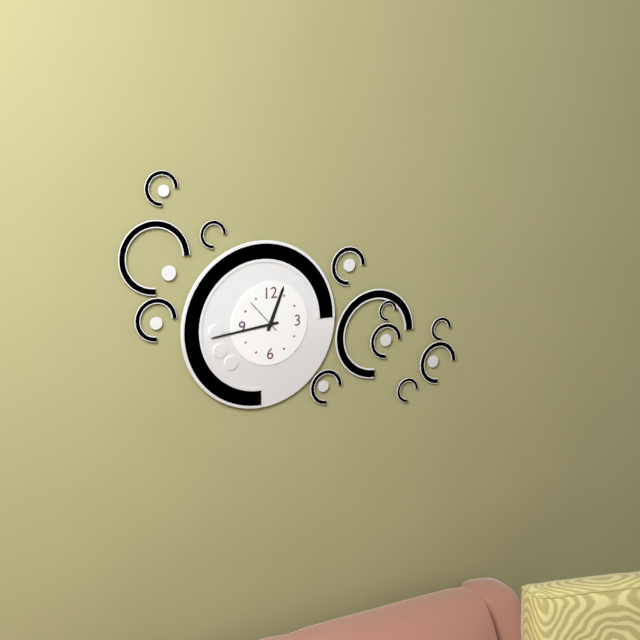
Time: **12:44**
